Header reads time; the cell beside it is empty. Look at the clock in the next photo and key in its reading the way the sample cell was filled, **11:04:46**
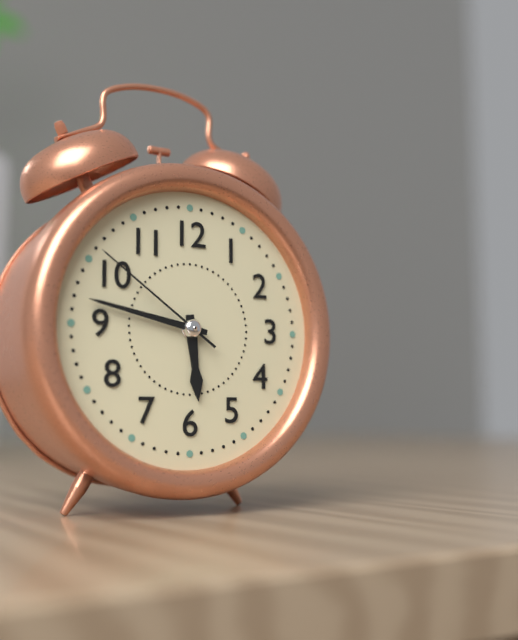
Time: **5:47:51**
